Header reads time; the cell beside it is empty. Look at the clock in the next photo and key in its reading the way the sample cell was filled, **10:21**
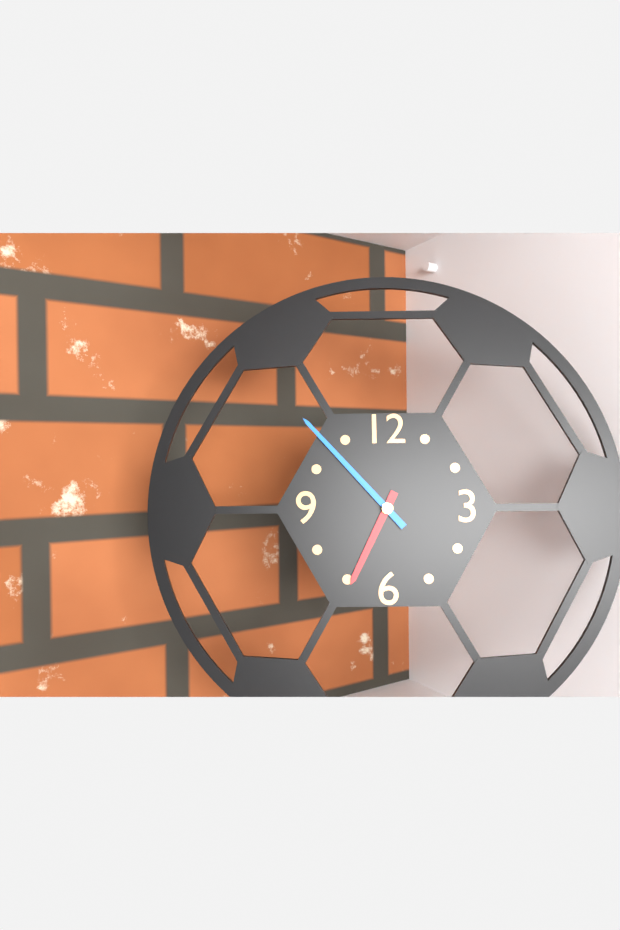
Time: **6:53**
